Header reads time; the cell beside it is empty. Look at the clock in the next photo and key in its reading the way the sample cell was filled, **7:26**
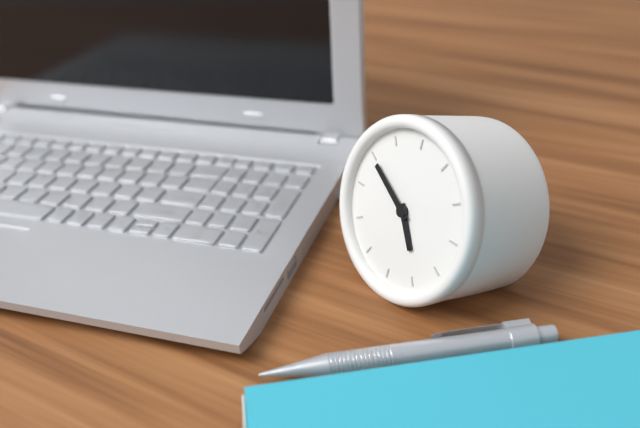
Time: **4:50**
